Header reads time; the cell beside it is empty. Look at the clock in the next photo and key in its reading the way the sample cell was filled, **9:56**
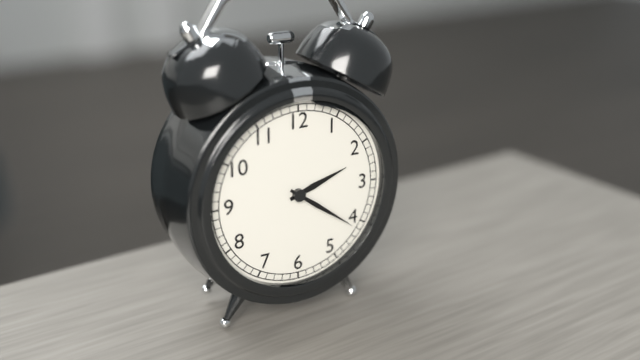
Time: **2:21**
